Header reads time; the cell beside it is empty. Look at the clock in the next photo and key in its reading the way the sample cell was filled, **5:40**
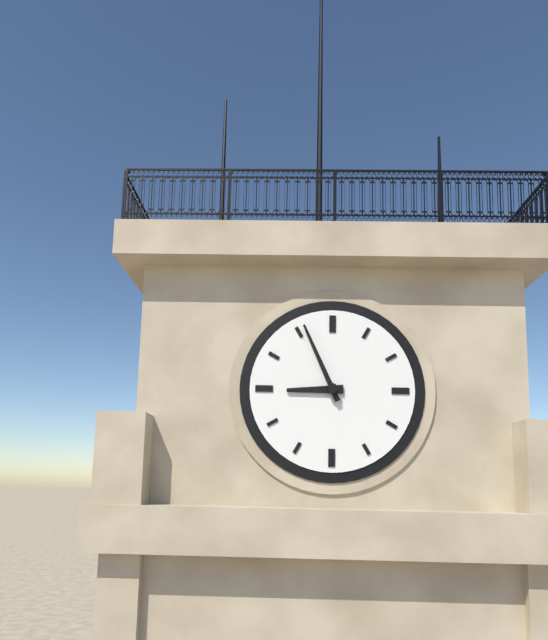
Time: **8:56**
